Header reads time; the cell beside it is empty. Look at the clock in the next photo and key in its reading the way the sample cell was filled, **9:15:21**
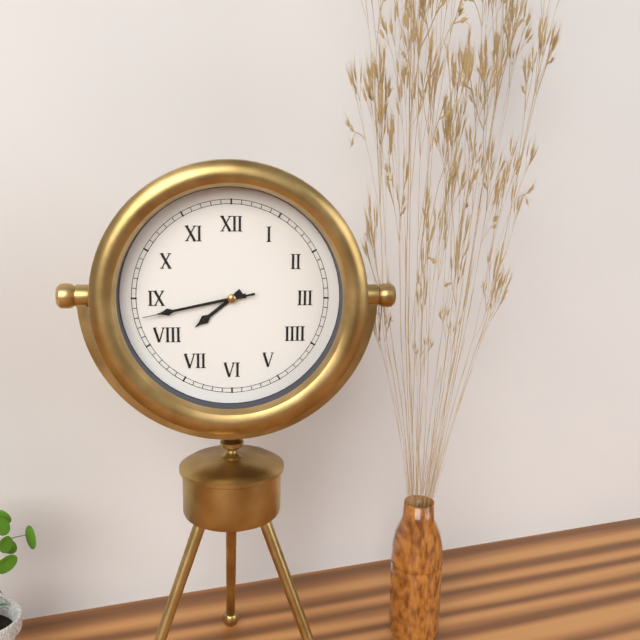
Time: **7:43:43**
